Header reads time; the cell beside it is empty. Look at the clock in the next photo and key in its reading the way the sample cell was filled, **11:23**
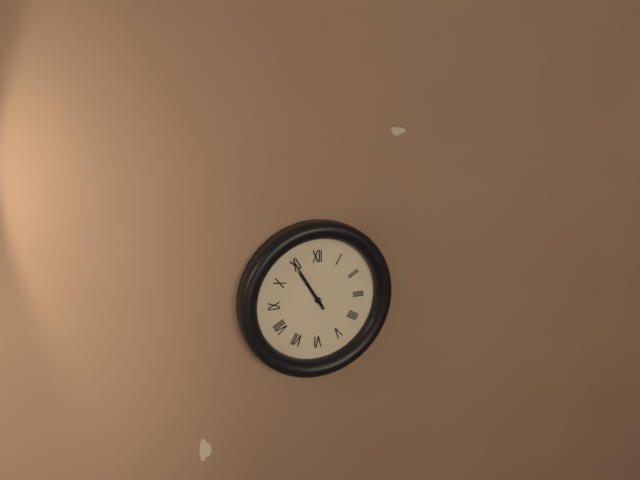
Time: **10:55**
